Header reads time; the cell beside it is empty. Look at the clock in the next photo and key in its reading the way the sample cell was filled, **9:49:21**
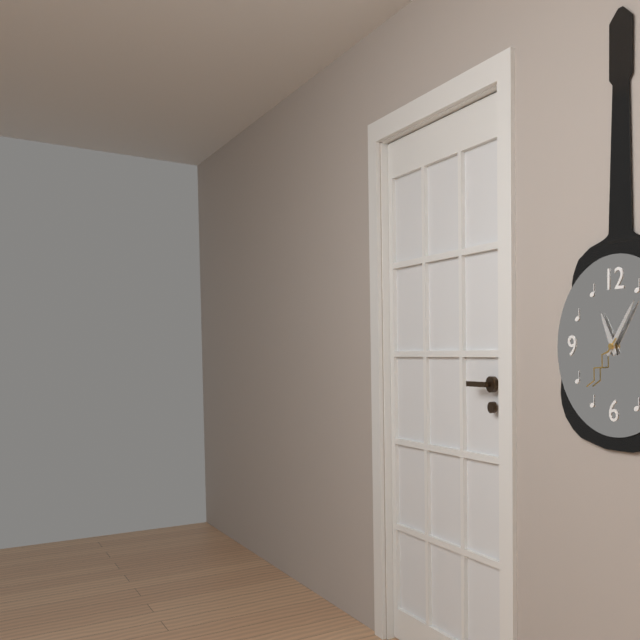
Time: **11:06:37**
